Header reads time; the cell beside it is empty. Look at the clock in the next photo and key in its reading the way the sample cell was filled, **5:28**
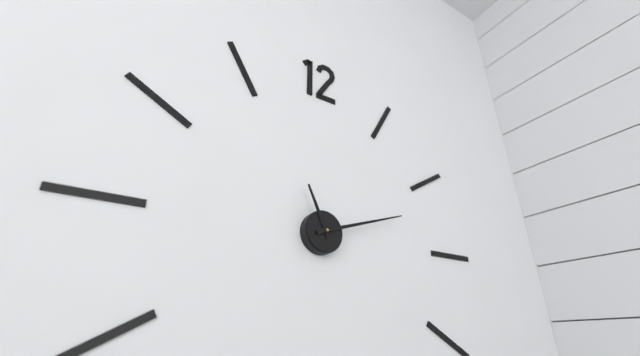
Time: **11:12**
